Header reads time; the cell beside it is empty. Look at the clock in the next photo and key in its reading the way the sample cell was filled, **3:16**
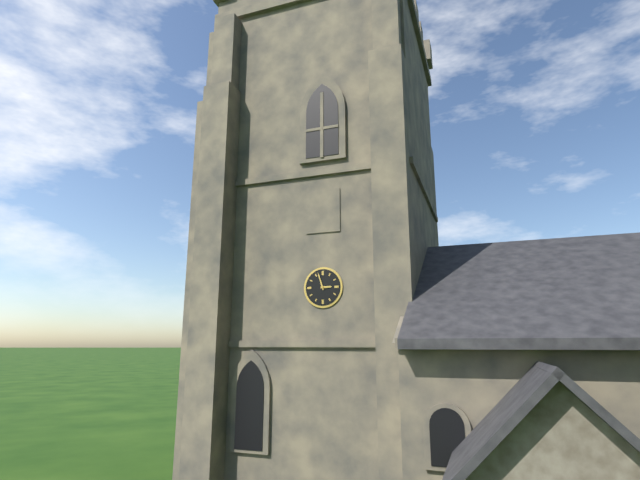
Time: **2:57**
